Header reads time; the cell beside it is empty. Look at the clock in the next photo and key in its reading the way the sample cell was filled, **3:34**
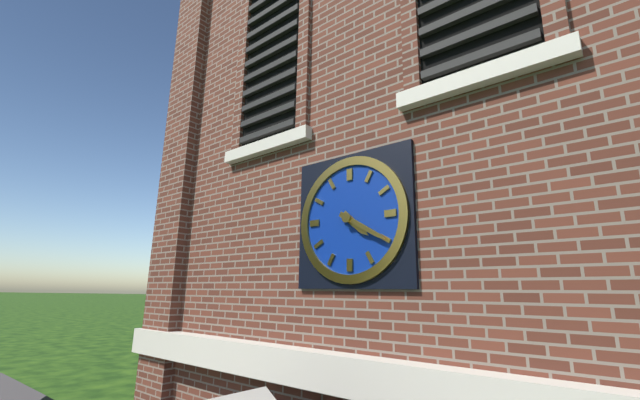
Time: **4:20**
